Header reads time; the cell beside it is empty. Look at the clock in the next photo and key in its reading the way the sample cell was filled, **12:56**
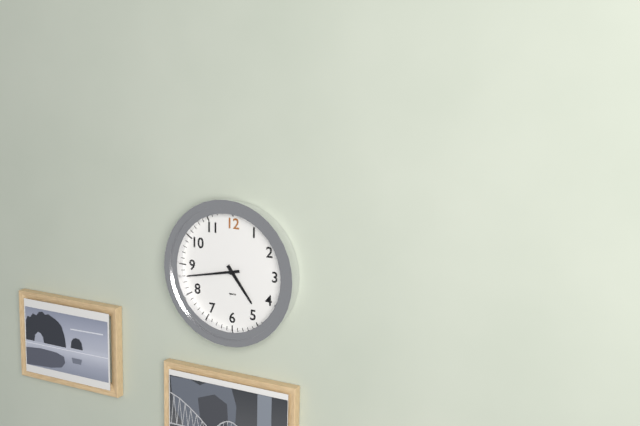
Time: **4:43**
